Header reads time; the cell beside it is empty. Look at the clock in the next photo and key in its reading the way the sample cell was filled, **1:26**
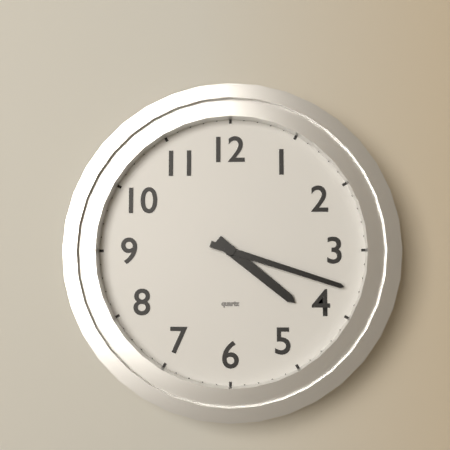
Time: **4:18**
